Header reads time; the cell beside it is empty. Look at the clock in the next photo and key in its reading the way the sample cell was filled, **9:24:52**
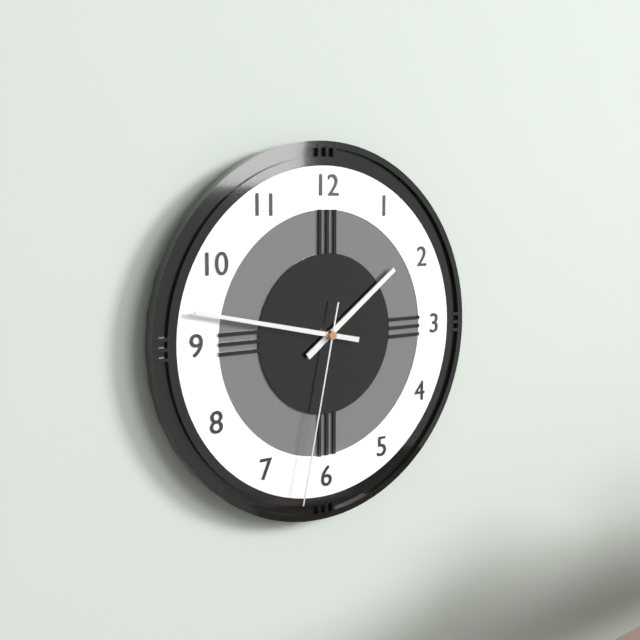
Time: **1:47:32**
